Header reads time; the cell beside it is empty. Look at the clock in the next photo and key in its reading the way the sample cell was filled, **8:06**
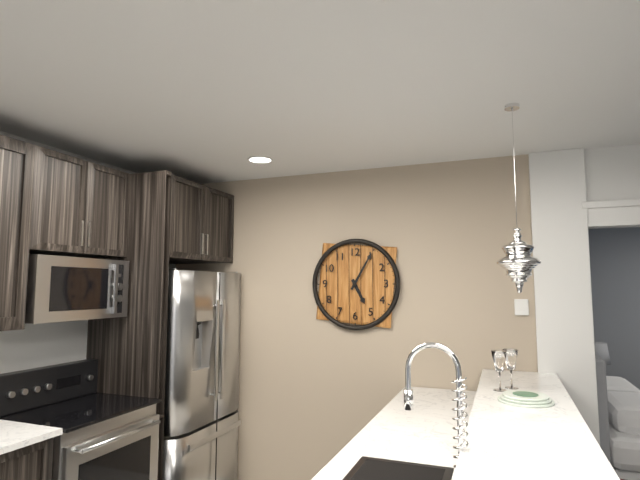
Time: **5:05**
